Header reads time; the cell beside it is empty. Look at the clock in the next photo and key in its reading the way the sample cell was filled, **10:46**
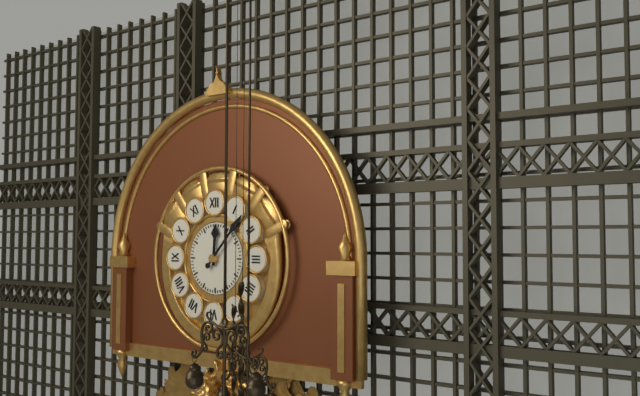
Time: **12:07**
